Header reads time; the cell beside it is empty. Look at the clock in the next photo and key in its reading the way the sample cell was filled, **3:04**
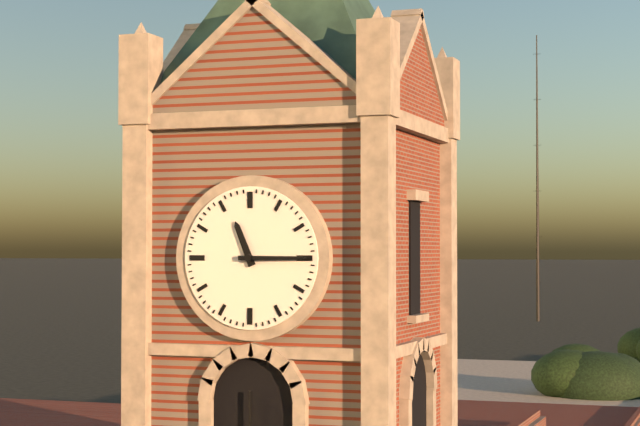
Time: **11:15**
